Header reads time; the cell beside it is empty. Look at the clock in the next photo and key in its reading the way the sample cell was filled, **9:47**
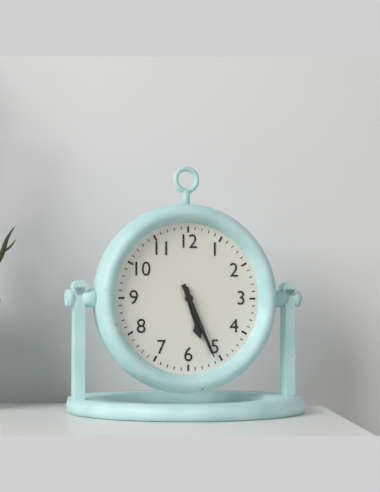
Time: **5:26**
